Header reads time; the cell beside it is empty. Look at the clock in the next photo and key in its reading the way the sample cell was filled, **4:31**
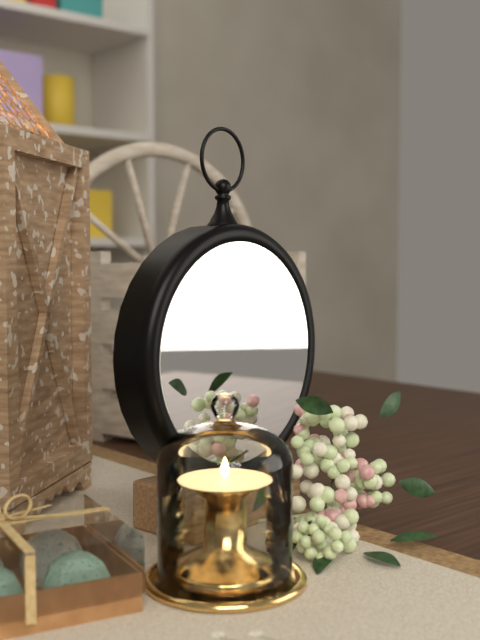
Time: **10:39**
